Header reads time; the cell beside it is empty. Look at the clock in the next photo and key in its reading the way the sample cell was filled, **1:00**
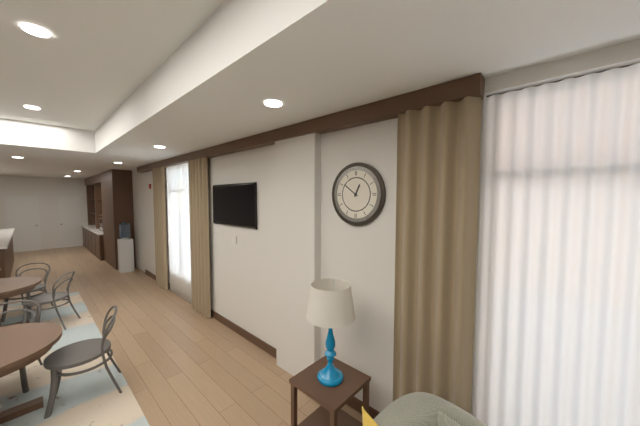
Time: **12:51**
